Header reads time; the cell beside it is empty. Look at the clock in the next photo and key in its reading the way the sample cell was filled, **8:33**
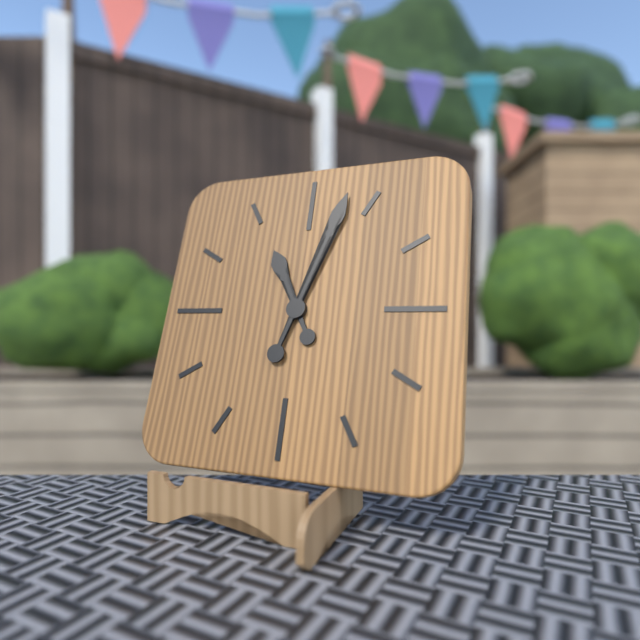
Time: **11:03**
